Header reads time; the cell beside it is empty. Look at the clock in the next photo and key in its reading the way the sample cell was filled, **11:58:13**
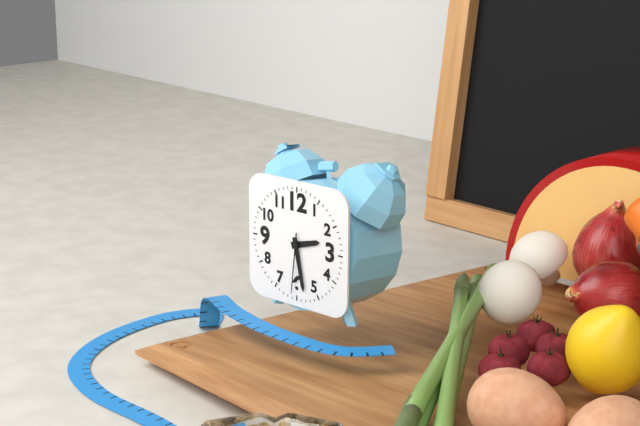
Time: **2:28:31**
